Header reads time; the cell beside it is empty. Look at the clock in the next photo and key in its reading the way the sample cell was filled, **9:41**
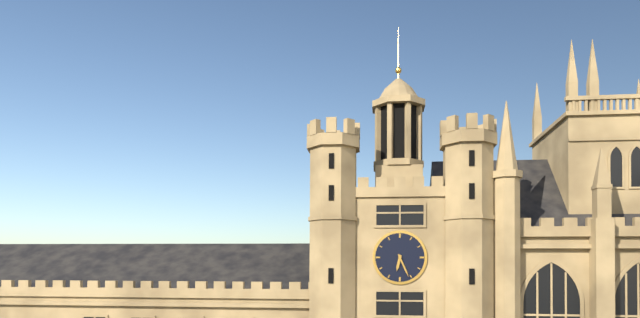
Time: **6:26**
